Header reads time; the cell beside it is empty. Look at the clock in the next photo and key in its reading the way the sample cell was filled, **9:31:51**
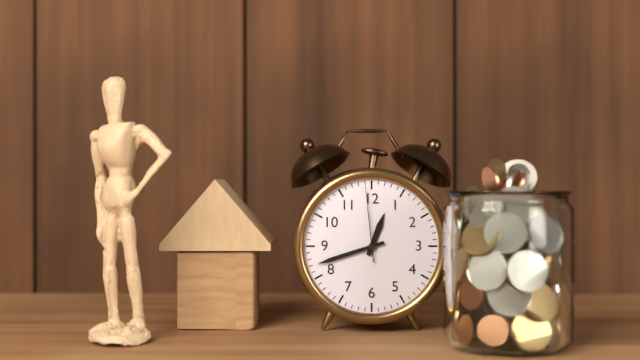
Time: **12:42:59**
